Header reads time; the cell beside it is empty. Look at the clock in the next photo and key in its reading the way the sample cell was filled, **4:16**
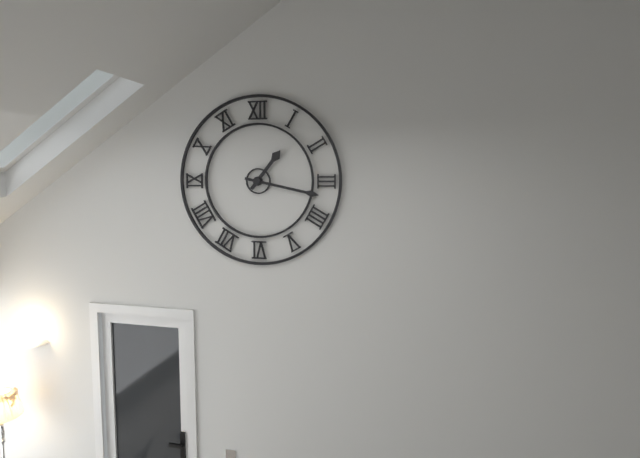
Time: **1:17**
